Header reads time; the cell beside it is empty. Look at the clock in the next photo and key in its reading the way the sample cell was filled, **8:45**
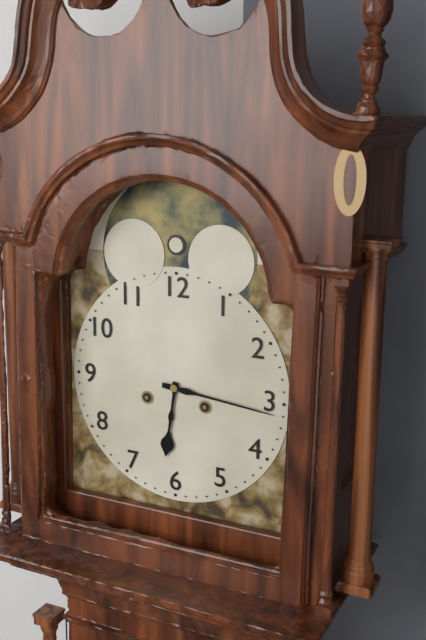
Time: **6:16**
